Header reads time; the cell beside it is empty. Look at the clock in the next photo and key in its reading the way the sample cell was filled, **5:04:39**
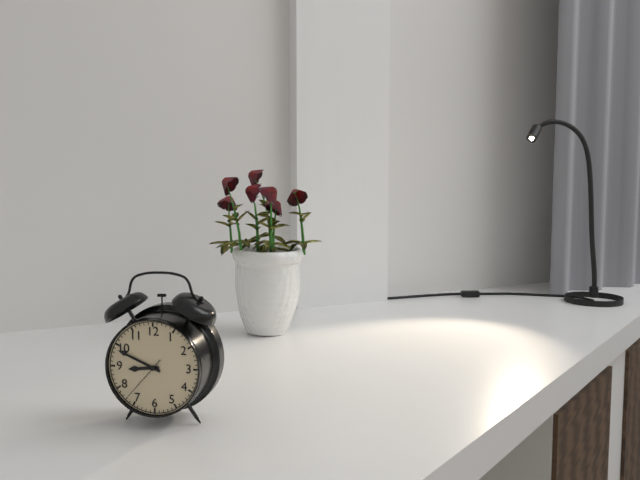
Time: **8:49:37**
